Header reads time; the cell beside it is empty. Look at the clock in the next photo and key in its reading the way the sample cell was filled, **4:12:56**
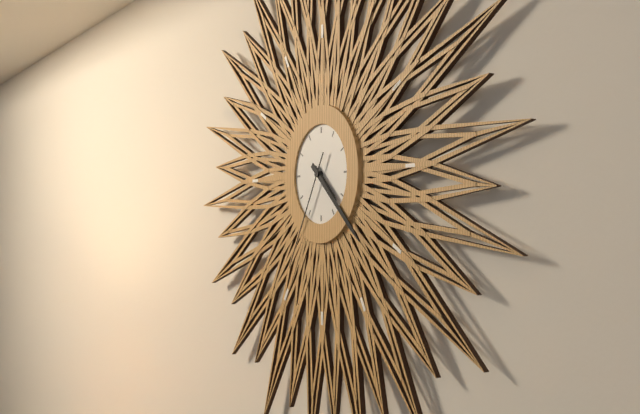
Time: **4:22:35**
